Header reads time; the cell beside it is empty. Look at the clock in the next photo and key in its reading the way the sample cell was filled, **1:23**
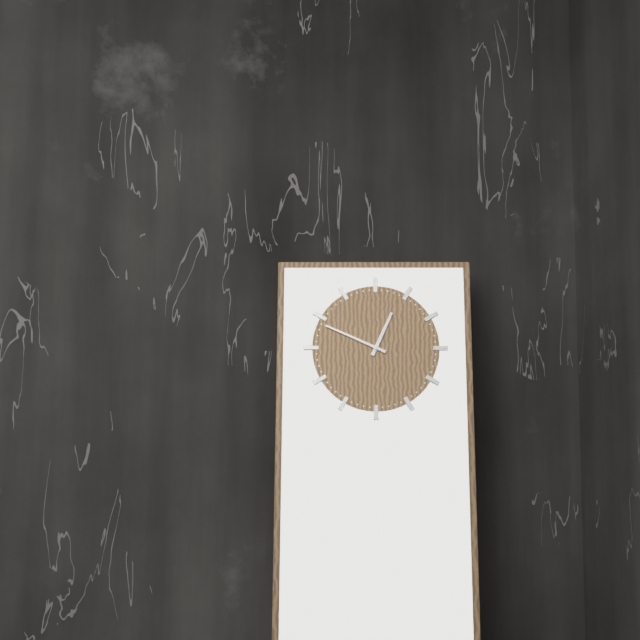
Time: **12:49**
